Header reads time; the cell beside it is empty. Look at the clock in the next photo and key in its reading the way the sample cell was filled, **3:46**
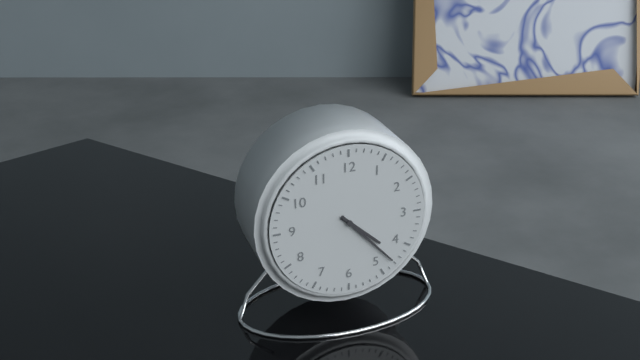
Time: **4:23**
